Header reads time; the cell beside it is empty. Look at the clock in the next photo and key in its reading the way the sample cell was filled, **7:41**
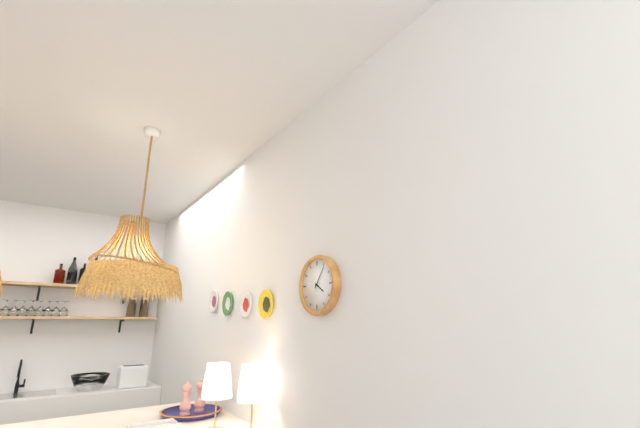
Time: **4:06**
